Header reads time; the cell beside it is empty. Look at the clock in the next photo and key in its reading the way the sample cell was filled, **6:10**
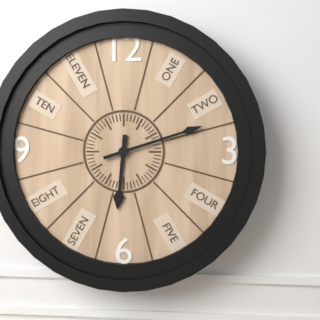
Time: **6:12**
